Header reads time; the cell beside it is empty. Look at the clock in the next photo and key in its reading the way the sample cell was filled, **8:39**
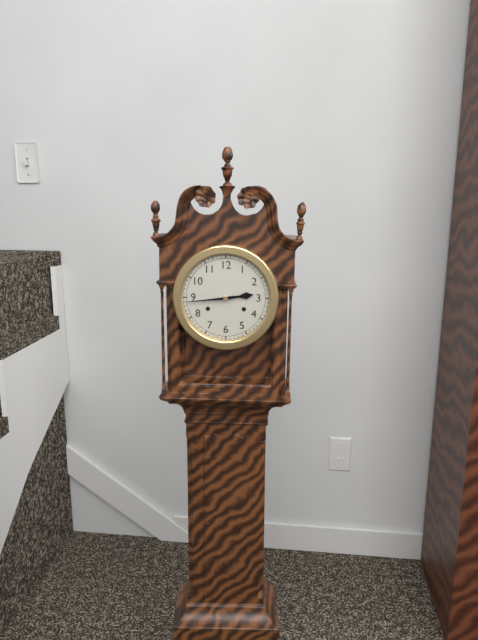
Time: **2:44**
